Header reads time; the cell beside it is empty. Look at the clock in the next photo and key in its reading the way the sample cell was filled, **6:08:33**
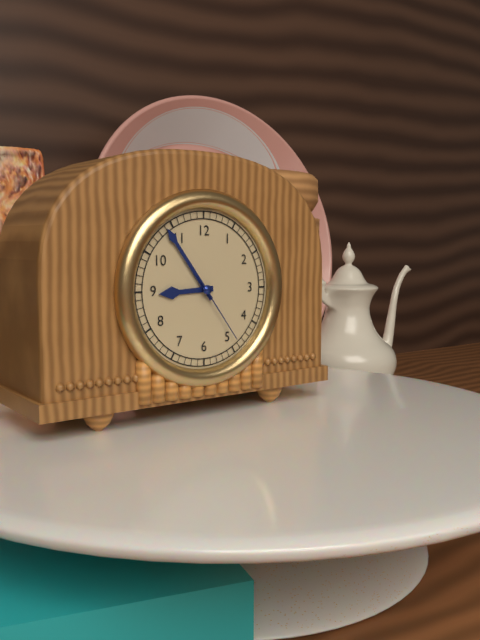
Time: **8:54:24**
